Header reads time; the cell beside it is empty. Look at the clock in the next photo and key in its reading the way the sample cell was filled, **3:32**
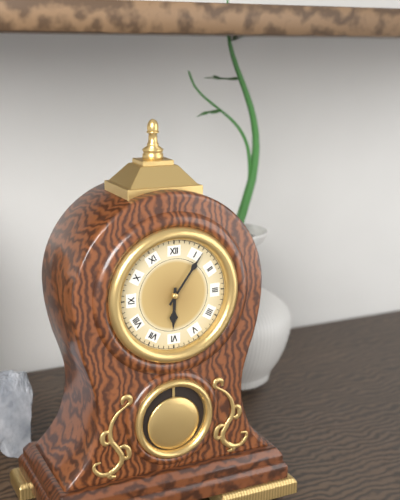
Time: **6:06**
